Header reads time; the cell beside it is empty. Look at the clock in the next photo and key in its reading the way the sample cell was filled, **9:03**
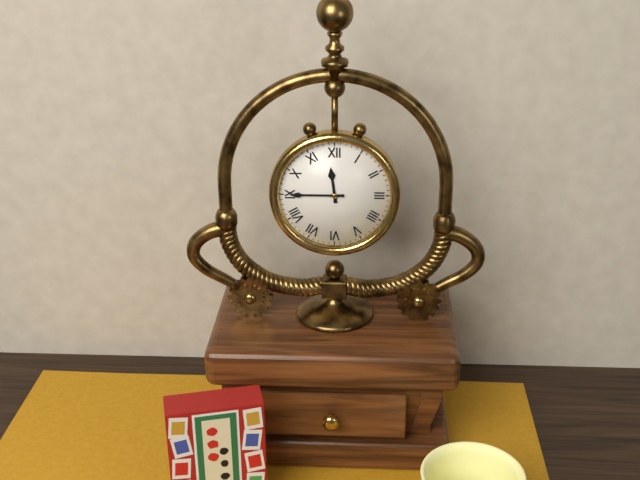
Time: **11:45**
